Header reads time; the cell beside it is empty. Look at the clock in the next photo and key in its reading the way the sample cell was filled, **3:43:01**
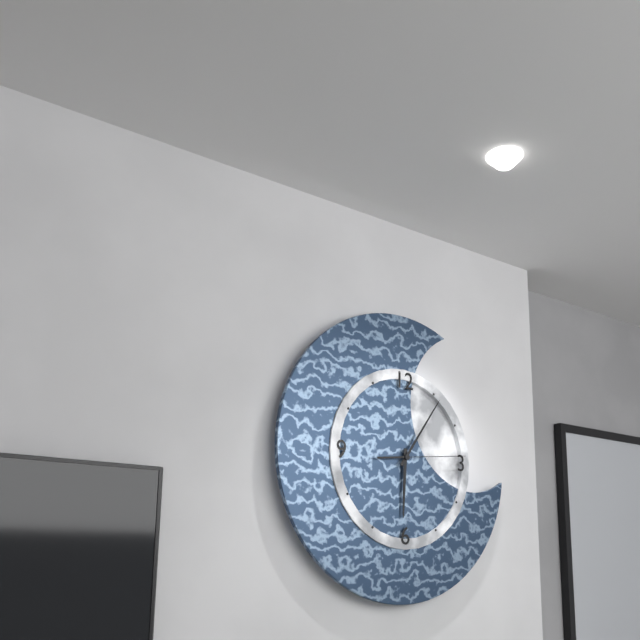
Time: **6:06:14**
